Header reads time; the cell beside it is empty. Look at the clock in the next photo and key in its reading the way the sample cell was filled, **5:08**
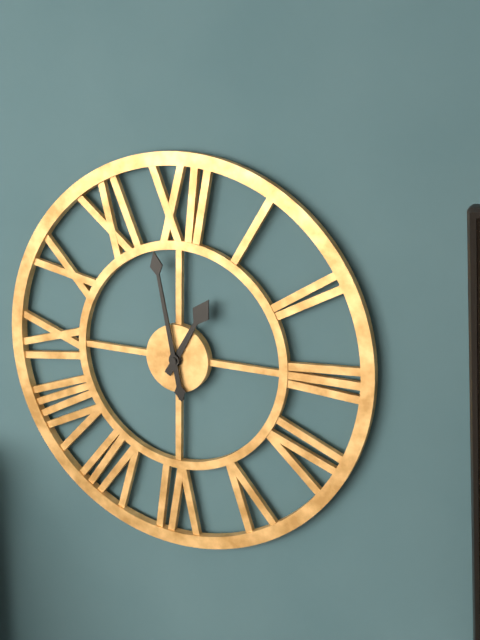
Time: **12:58**
